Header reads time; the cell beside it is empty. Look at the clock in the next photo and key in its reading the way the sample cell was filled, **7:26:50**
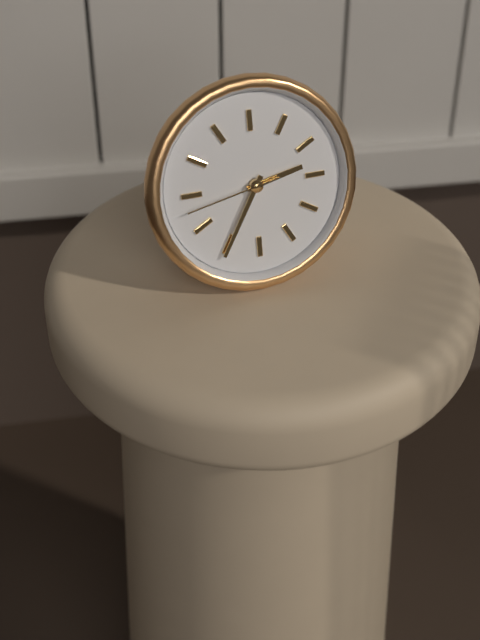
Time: **2:35:43**
